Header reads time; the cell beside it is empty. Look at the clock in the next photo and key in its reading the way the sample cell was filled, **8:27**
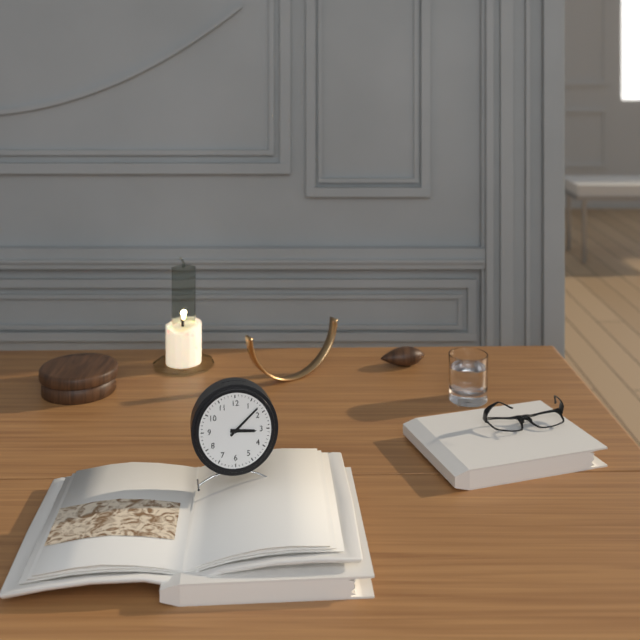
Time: **3:08**
